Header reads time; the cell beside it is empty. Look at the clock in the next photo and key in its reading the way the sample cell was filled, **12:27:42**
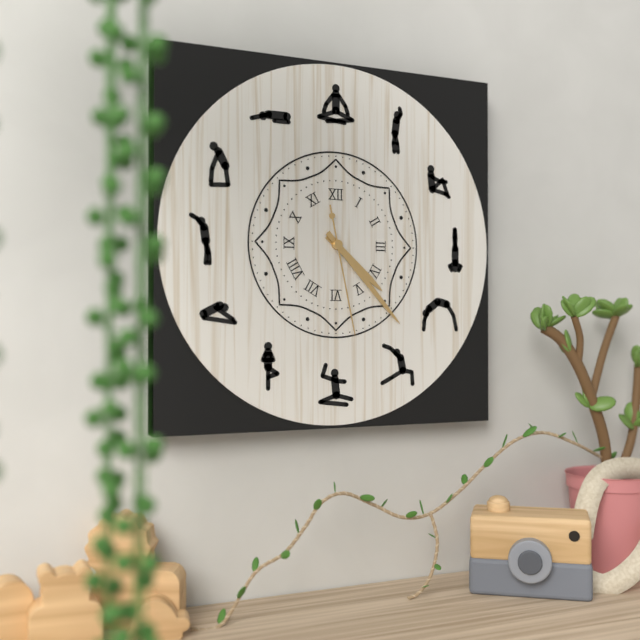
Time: **4:23:28**
